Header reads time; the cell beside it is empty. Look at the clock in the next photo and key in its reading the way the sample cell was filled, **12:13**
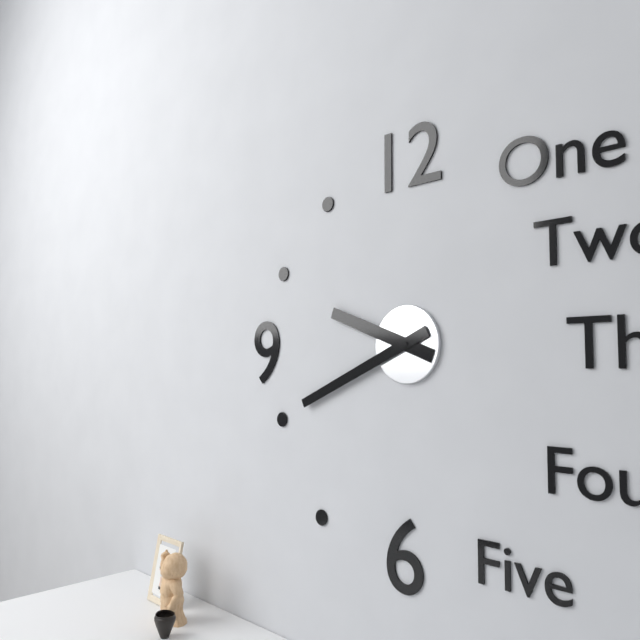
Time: **9:41**
